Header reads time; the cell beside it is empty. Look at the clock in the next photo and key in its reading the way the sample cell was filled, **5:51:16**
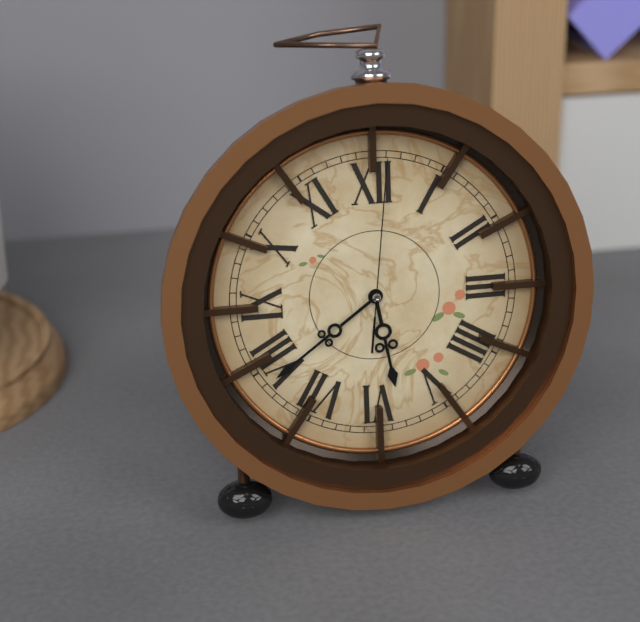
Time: **5:39:01**
